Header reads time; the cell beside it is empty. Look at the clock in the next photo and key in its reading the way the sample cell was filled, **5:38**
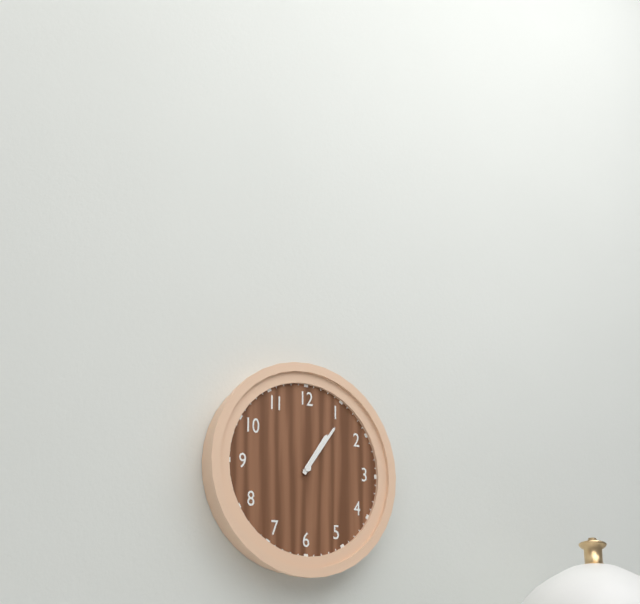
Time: **1:06**
